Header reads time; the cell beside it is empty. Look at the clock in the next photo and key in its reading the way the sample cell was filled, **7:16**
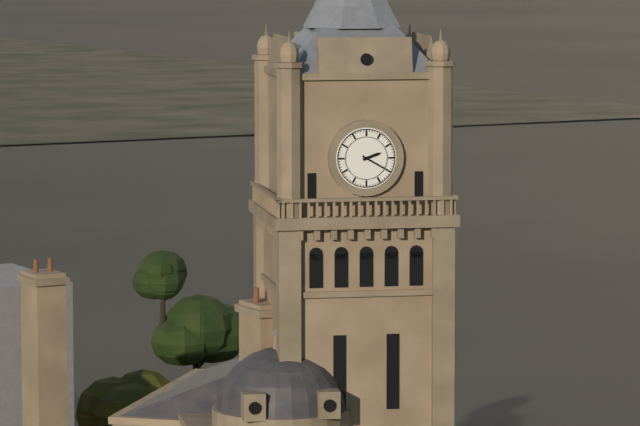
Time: **2:20**
